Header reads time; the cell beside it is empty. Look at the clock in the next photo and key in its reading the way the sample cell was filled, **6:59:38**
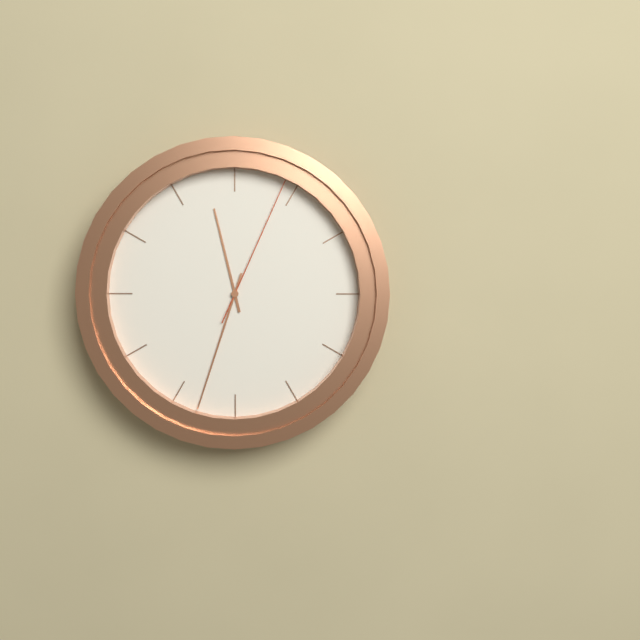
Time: **11:33:04**
